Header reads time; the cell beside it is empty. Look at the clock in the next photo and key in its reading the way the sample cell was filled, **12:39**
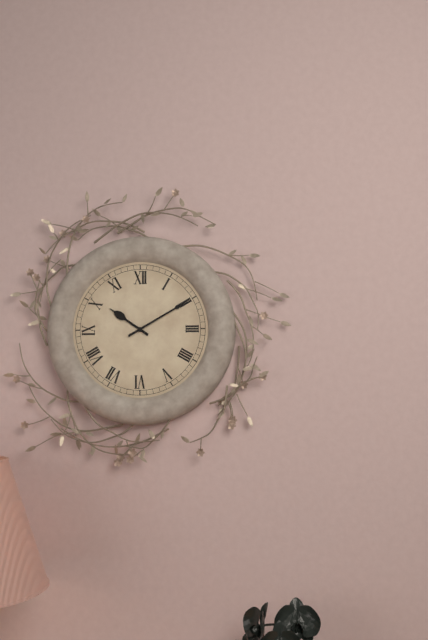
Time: **10:10**
